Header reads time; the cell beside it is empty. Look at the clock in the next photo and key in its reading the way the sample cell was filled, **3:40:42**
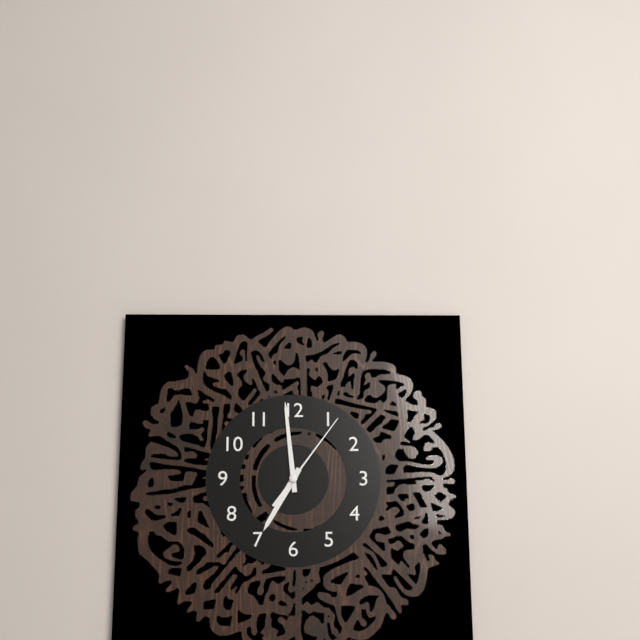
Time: **6:59:06**
